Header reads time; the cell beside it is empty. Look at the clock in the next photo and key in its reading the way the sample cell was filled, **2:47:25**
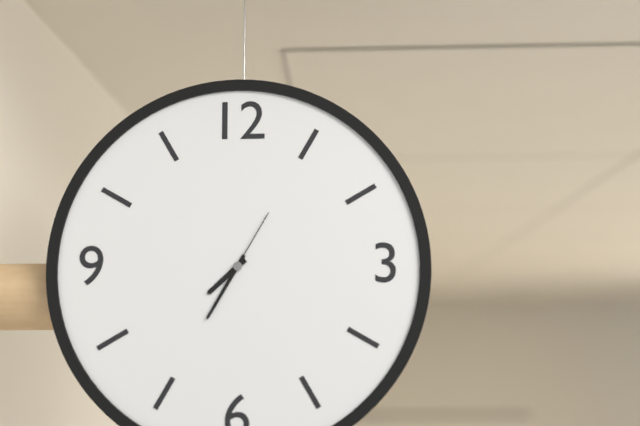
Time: **7:35:05**
